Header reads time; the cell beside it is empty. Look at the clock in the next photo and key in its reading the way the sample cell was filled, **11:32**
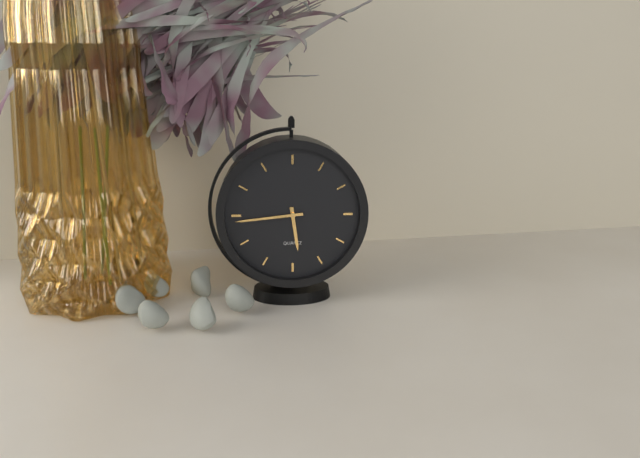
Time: **5:44**
